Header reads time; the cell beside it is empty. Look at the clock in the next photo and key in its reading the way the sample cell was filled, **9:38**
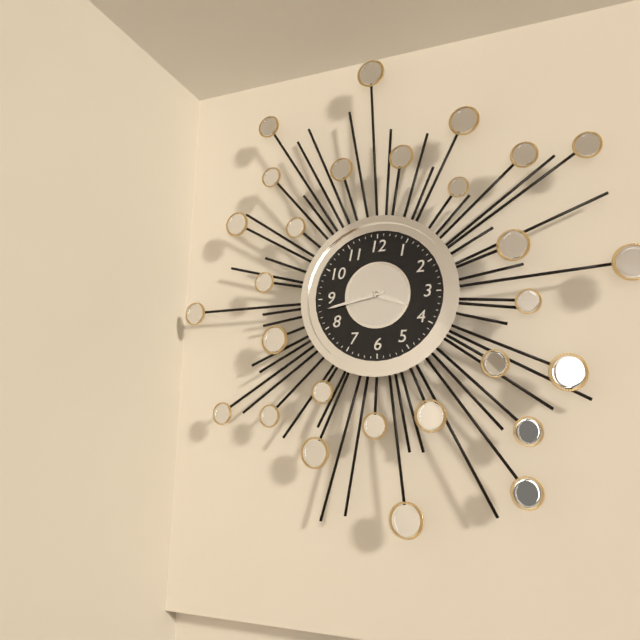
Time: **3:43**
